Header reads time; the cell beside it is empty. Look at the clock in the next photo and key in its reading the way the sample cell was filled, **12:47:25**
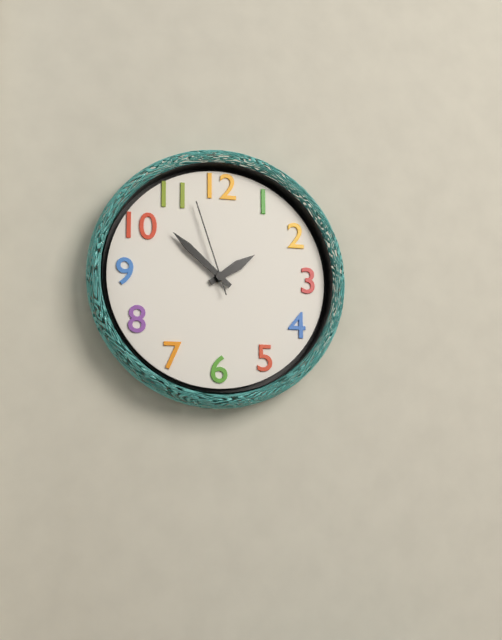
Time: **1:52:57**
